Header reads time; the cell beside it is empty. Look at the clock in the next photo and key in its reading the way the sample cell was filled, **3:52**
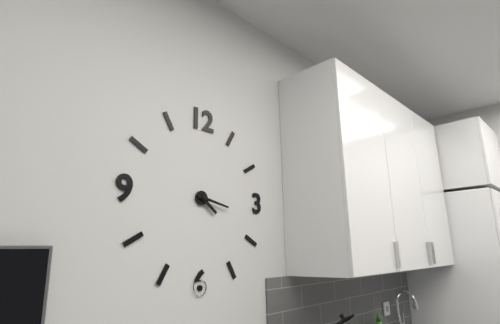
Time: **4:17**
